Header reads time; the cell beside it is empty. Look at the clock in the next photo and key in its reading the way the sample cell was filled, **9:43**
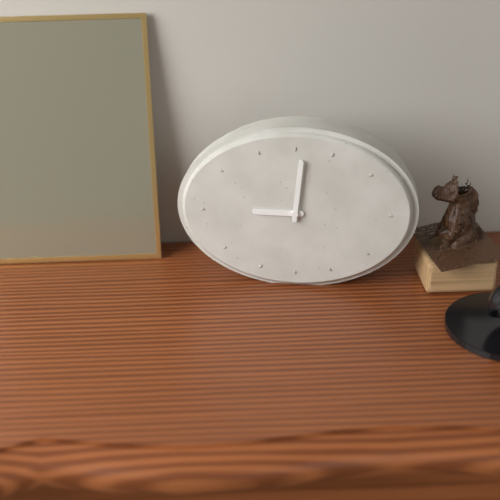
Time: **9:01**
